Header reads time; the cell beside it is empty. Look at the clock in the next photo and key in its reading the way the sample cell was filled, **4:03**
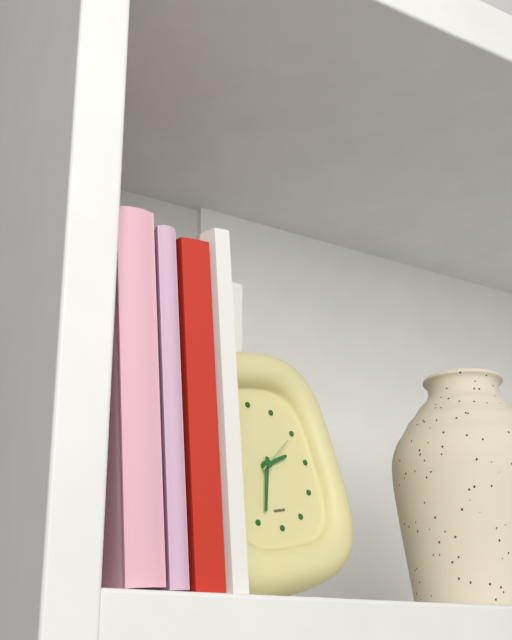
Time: **2:34**
